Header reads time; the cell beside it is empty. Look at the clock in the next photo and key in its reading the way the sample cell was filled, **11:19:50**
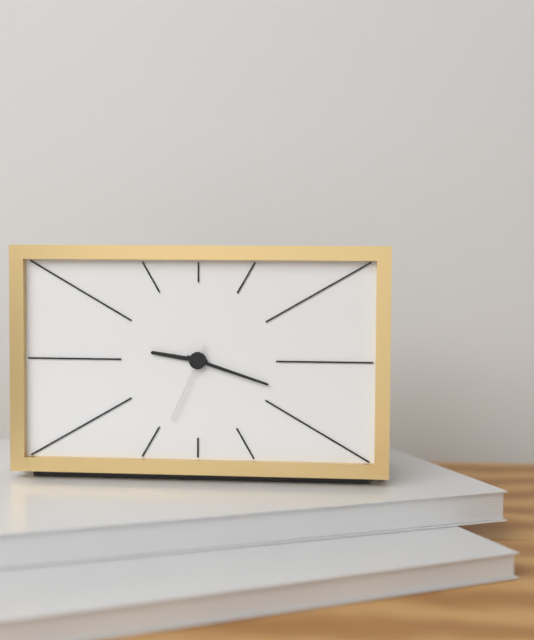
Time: **9:18:34**
